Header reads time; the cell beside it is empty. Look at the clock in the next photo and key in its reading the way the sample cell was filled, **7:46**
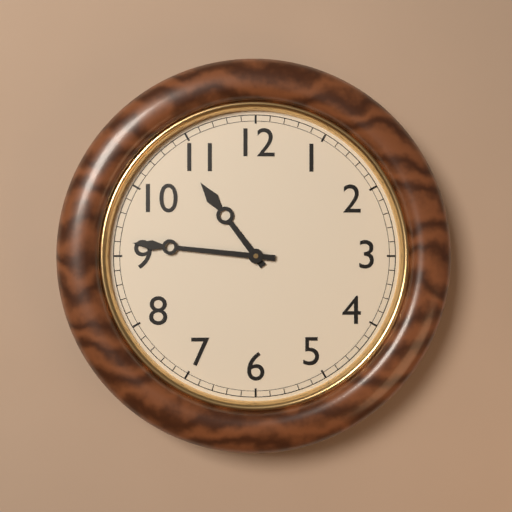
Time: **10:46**
